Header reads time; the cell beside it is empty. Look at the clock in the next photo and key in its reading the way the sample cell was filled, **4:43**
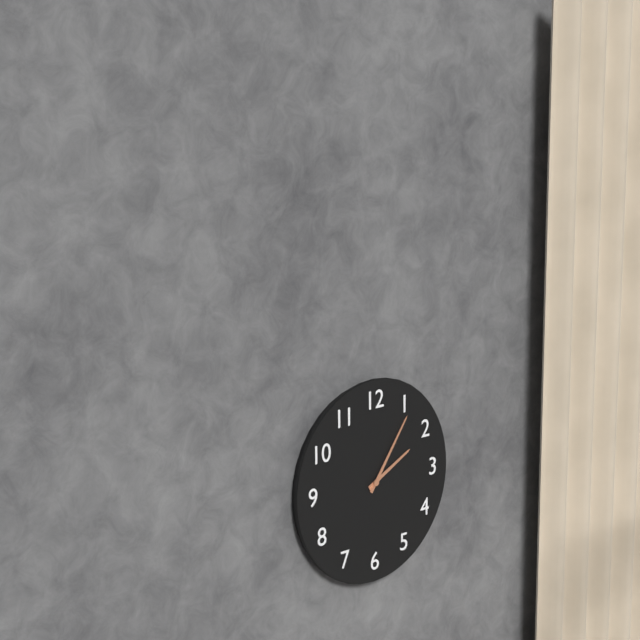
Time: **2:06**
